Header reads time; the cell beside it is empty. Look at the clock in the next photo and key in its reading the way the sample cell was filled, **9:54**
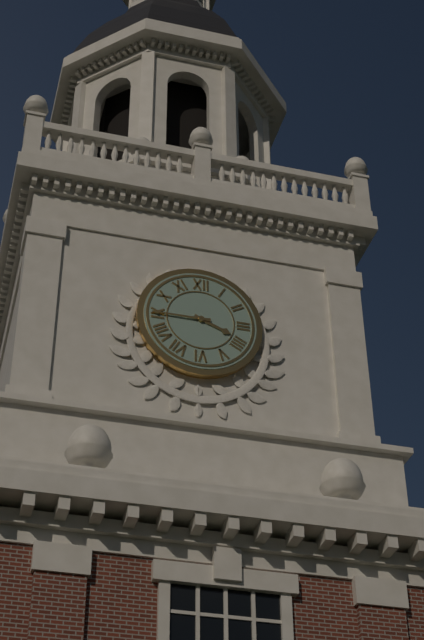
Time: **3:45**
